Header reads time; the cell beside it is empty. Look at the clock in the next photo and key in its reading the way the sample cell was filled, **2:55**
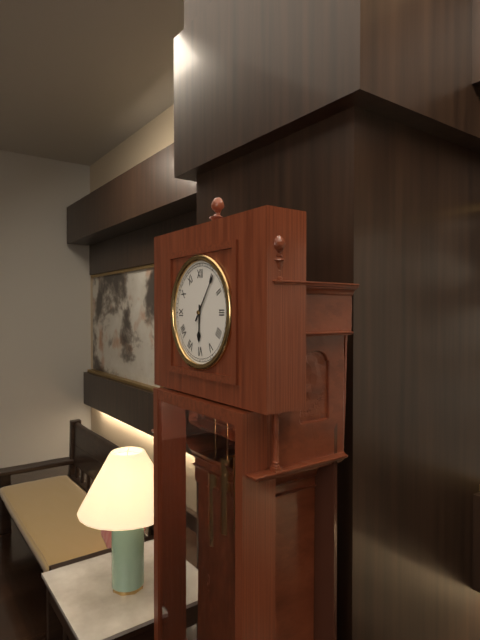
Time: **6:06**
